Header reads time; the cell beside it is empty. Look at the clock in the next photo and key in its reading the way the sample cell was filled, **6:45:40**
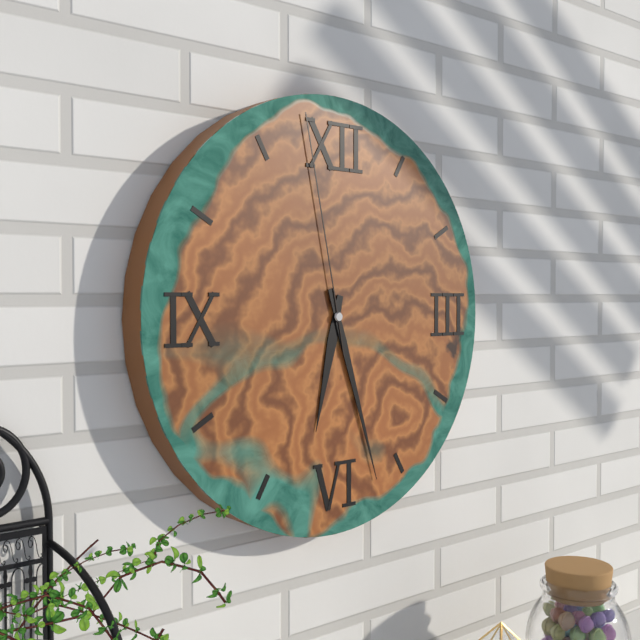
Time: **6:27:58**
